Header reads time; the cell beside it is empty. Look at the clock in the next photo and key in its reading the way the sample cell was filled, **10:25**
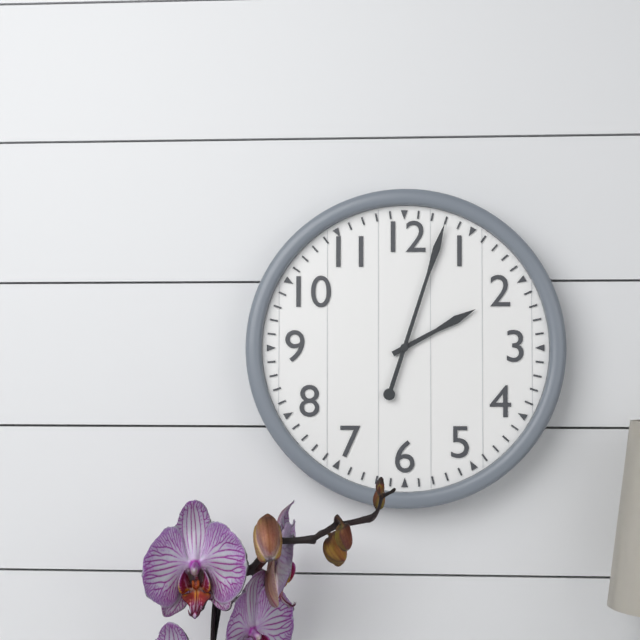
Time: **2:03**
